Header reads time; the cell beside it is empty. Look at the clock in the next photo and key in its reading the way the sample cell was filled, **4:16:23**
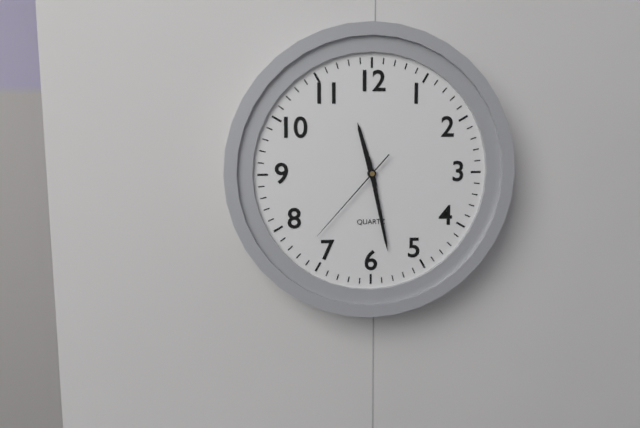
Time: **11:28:37**
